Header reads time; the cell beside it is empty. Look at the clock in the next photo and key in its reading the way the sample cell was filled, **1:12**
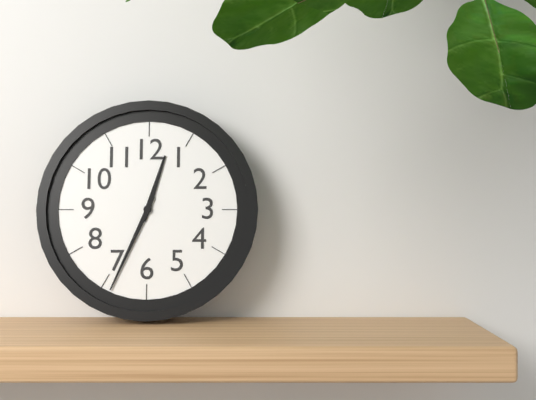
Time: **12:34**
